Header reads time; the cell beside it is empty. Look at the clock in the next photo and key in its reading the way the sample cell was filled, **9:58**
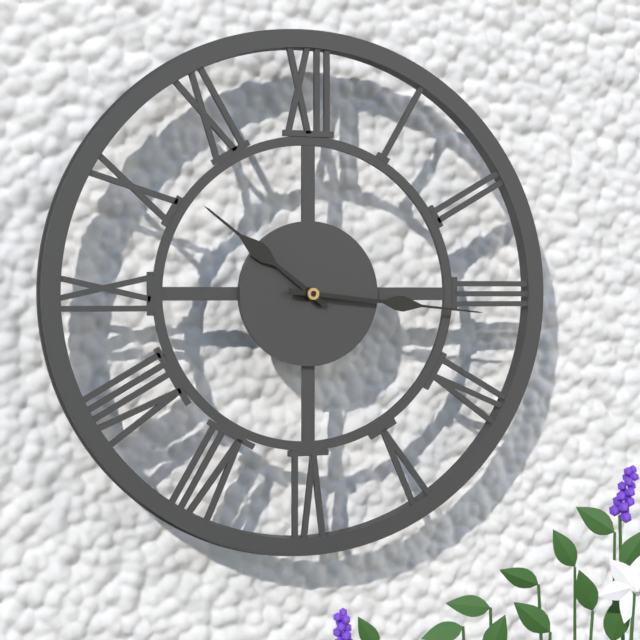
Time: **10:16**
